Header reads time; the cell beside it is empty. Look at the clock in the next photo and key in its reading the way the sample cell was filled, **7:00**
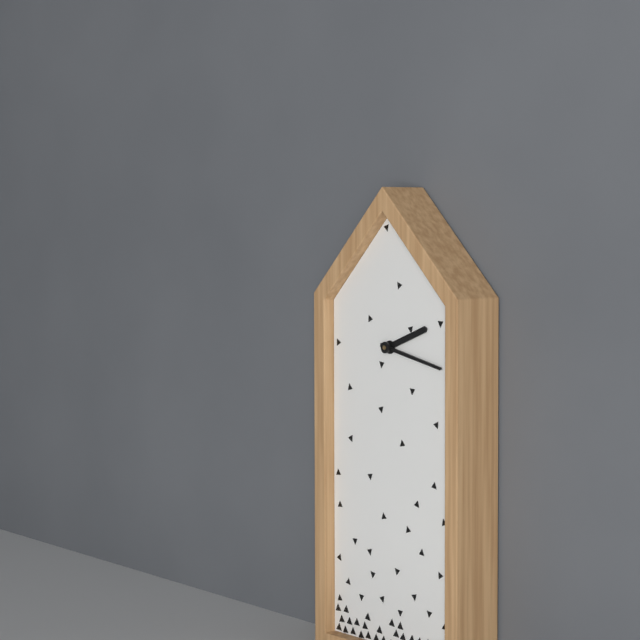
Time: **2:17**
